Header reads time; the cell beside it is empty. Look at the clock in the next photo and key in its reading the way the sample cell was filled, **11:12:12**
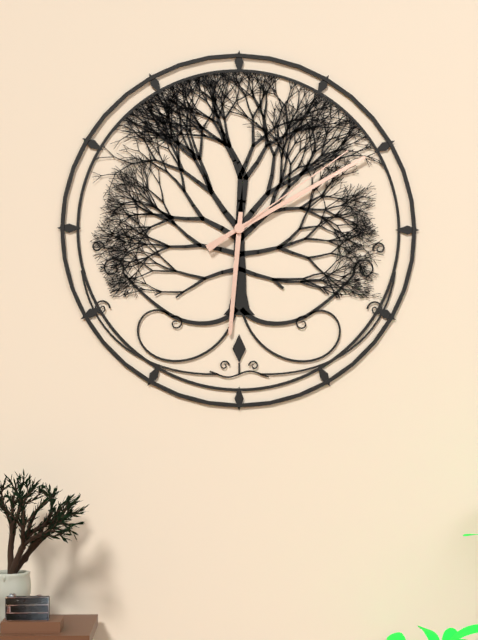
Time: **6:10:09**
